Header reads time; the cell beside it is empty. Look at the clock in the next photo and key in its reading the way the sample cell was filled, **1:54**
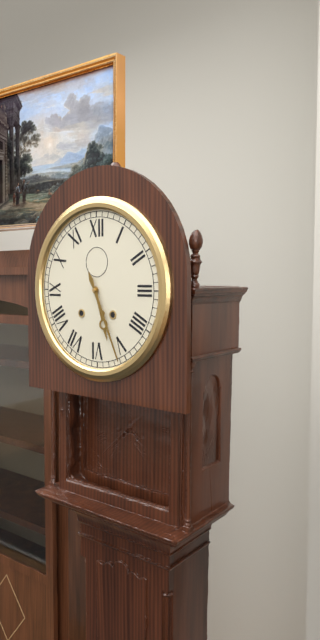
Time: **5:26**
